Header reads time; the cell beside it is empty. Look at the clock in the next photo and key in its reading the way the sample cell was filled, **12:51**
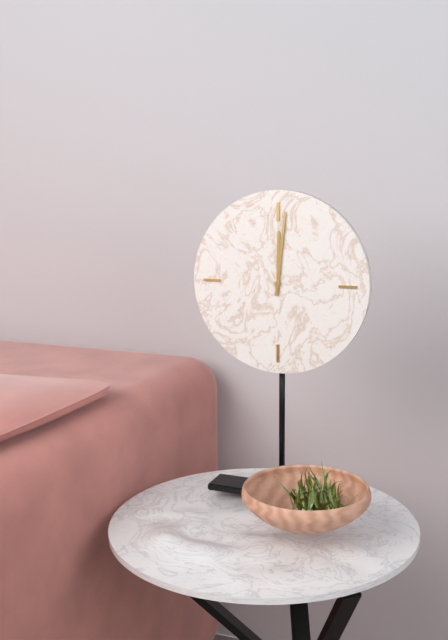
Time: **12:01**
